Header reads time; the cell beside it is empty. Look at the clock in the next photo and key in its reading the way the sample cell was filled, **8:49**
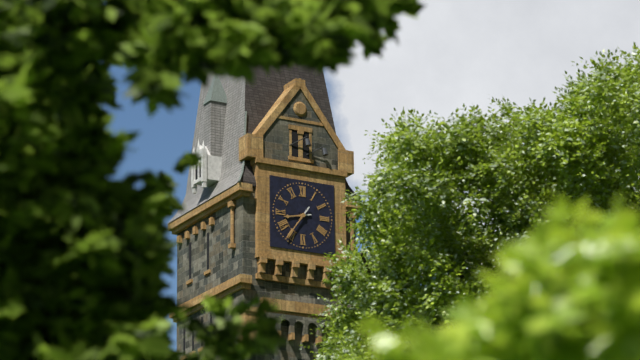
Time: **8:36**
